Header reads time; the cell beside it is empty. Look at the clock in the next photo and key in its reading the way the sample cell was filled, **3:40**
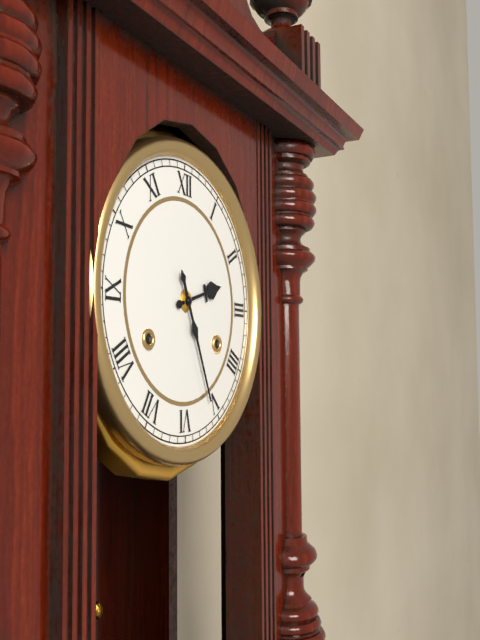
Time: **2:26**
